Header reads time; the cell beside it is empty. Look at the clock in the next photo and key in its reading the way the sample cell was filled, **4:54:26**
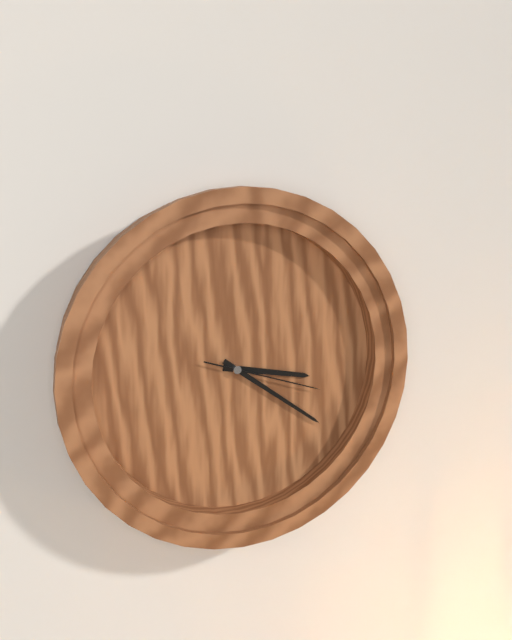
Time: **3:21:18**
